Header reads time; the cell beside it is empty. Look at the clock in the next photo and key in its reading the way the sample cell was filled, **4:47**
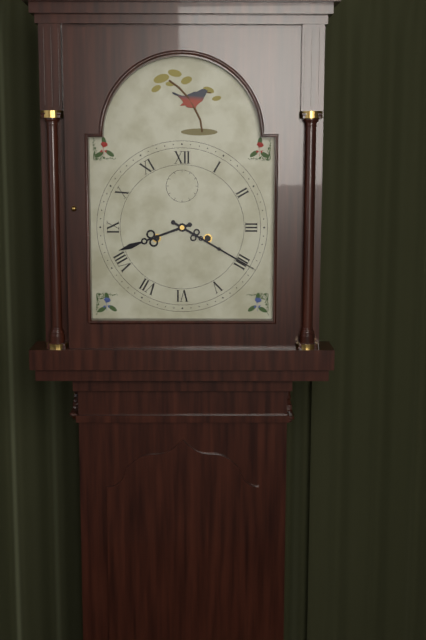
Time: **8:20**
